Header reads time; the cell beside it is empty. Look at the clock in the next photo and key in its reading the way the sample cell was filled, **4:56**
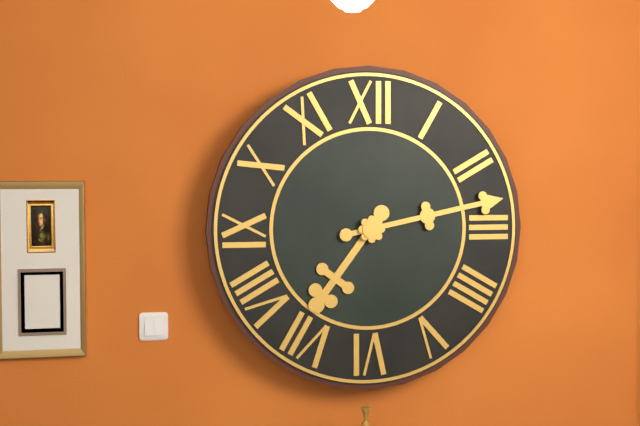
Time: **7:13**
